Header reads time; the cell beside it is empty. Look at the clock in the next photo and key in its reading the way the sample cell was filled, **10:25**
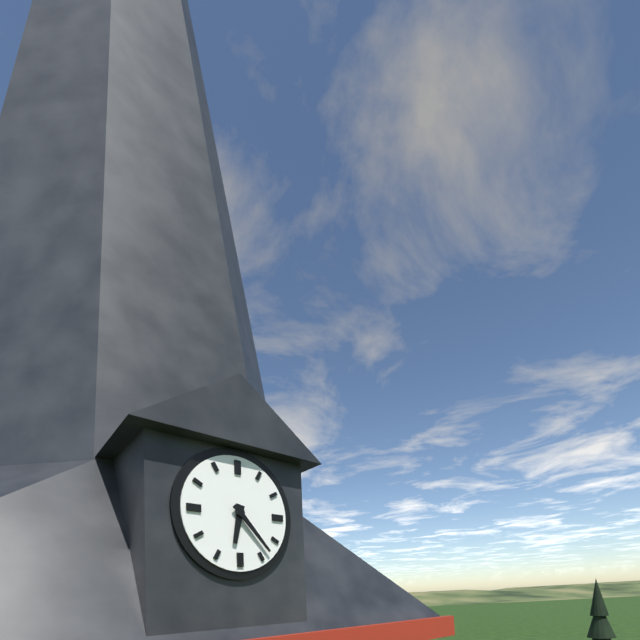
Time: **6:23**
